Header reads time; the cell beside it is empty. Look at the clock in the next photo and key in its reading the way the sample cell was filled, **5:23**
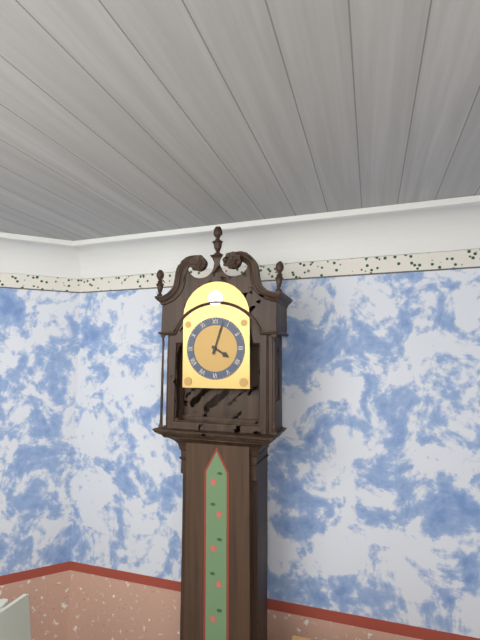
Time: **4:03**
